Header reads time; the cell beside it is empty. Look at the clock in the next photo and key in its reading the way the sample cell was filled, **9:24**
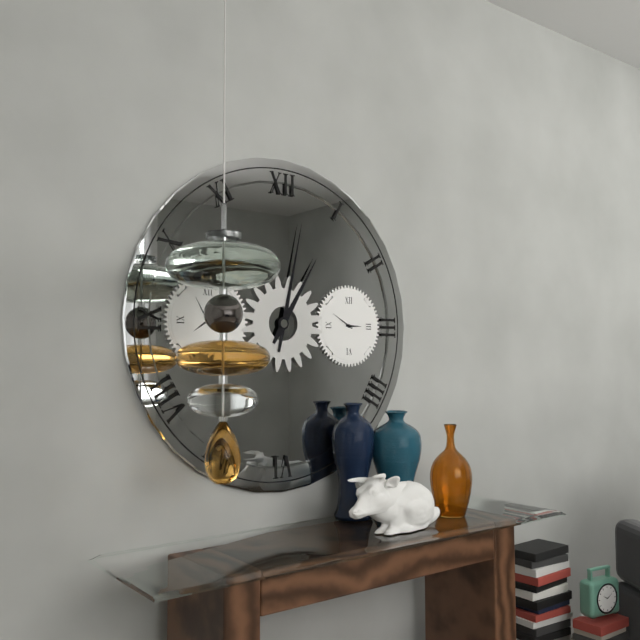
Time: **1:02**
